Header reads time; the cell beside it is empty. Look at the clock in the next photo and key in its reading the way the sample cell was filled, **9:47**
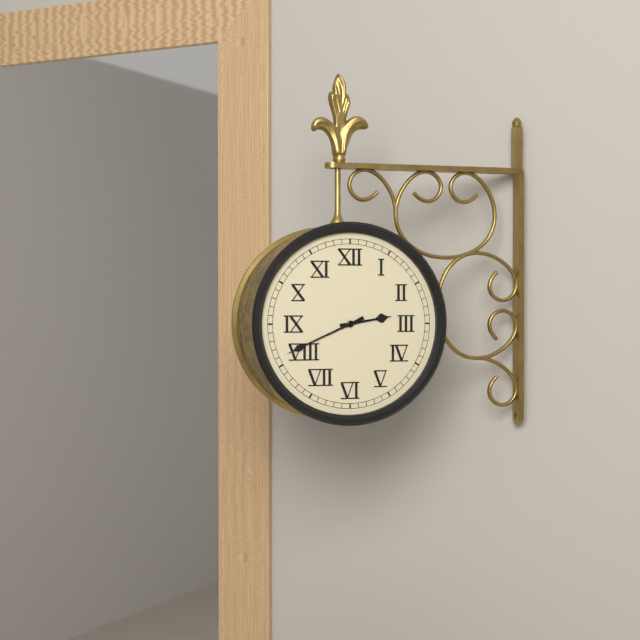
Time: **2:41**
